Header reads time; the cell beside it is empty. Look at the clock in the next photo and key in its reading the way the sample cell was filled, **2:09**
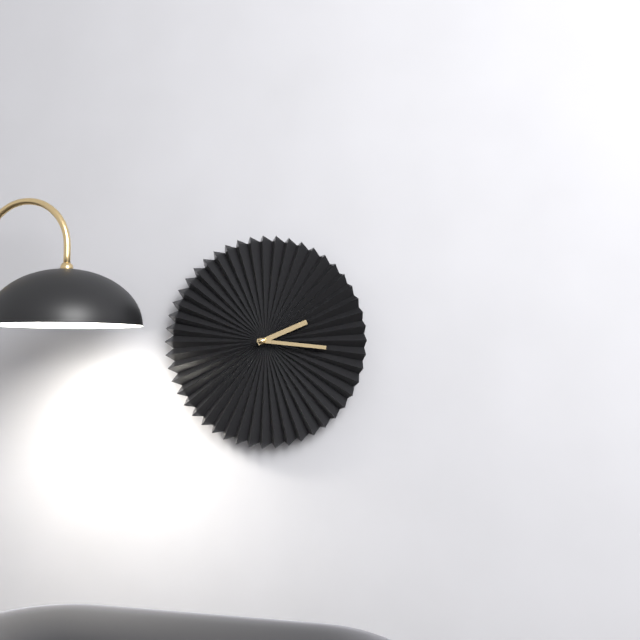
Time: **2:16**
